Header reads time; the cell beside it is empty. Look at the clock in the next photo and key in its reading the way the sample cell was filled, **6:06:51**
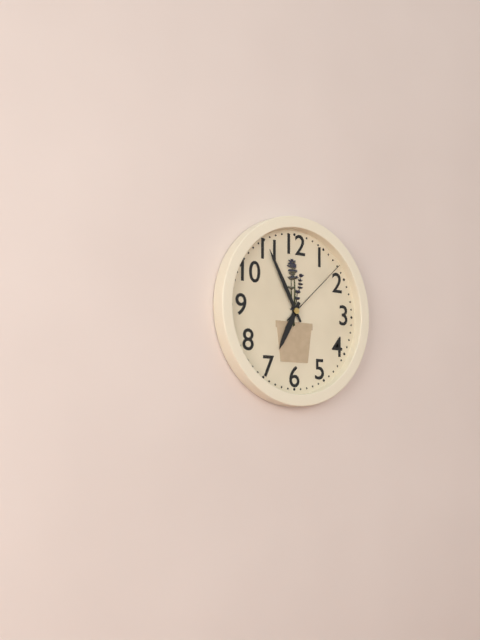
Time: **6:55:08**
